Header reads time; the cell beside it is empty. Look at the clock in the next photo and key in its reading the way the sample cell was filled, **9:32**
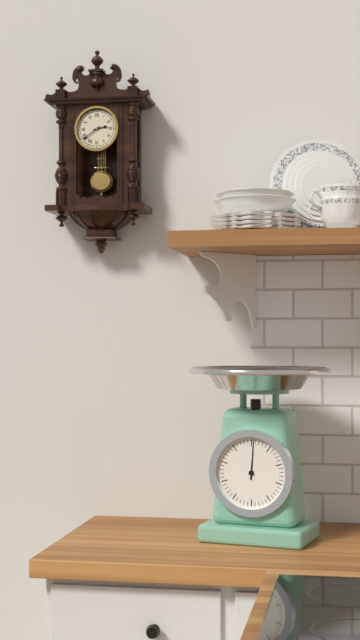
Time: **2:39**
